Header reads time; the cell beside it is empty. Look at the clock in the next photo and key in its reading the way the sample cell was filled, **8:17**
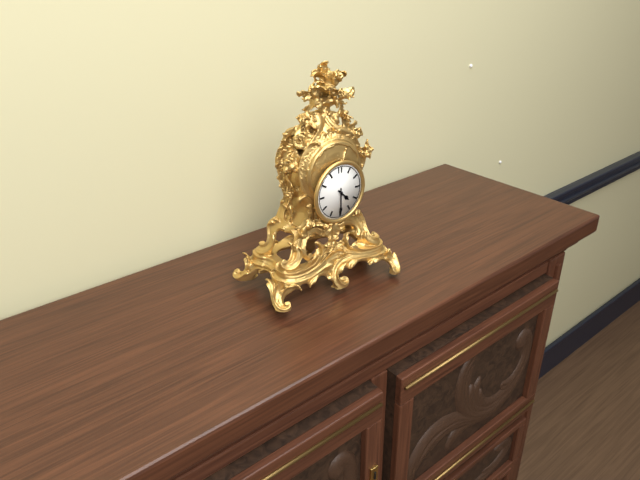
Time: **4:30**
